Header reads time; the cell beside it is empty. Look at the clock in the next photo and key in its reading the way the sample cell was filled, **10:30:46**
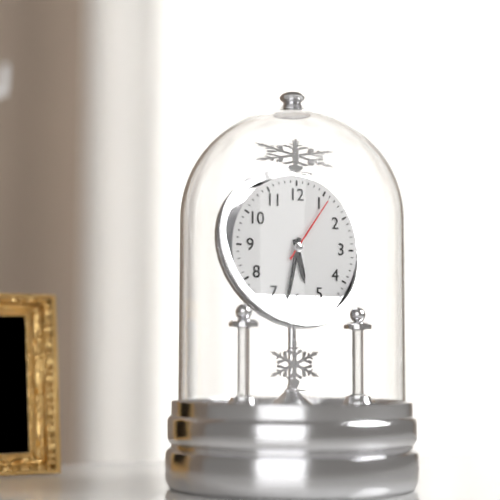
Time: **5:32:06**
